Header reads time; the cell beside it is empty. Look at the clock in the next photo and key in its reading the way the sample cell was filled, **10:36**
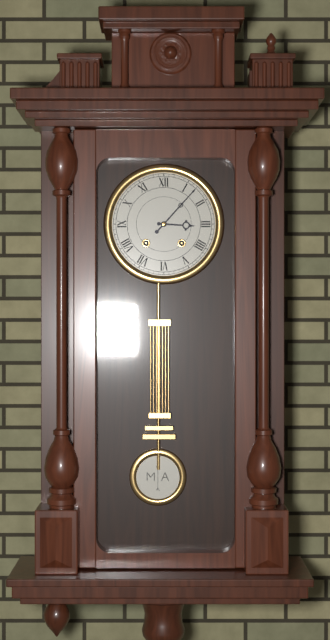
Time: **3:07**
